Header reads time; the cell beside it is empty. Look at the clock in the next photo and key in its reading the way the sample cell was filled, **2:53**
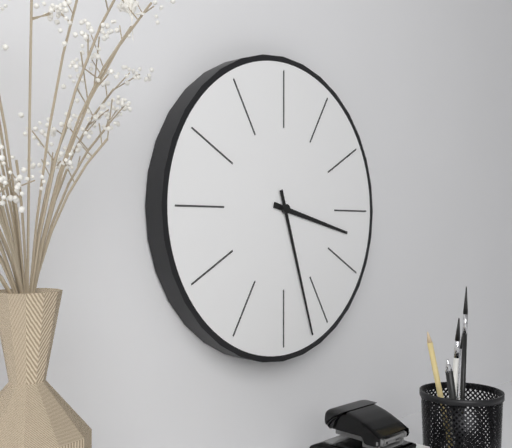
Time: **3:27**
